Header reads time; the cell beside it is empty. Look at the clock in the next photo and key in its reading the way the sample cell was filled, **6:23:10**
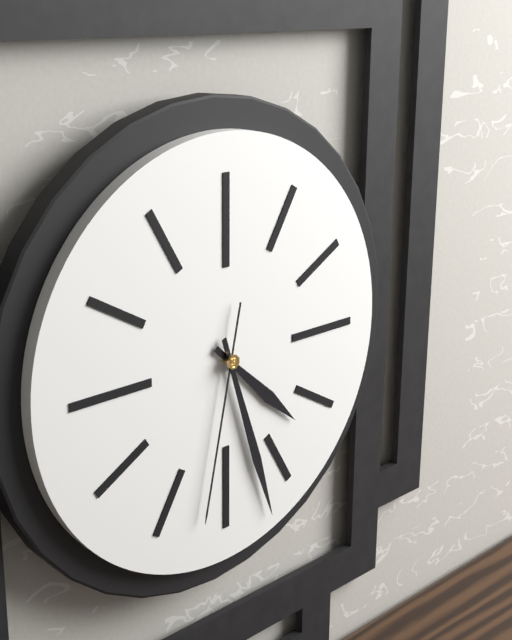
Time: **4:27:32**
